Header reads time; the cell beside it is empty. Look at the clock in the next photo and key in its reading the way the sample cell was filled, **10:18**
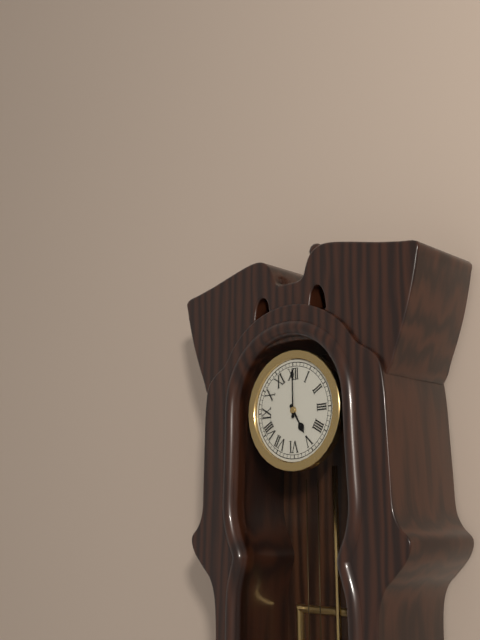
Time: **5:00**
